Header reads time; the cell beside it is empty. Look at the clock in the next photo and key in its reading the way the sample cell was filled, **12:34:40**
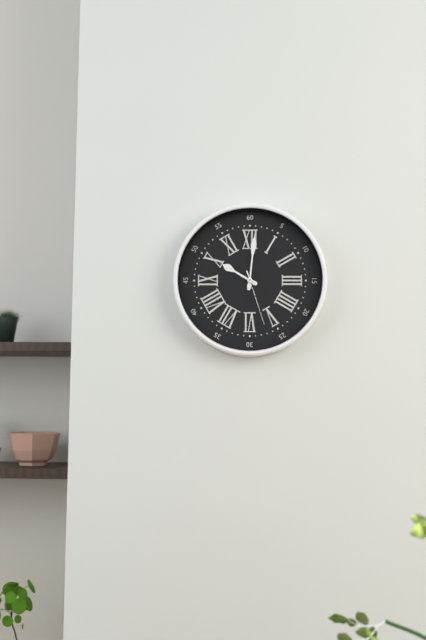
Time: **10:01:27**
